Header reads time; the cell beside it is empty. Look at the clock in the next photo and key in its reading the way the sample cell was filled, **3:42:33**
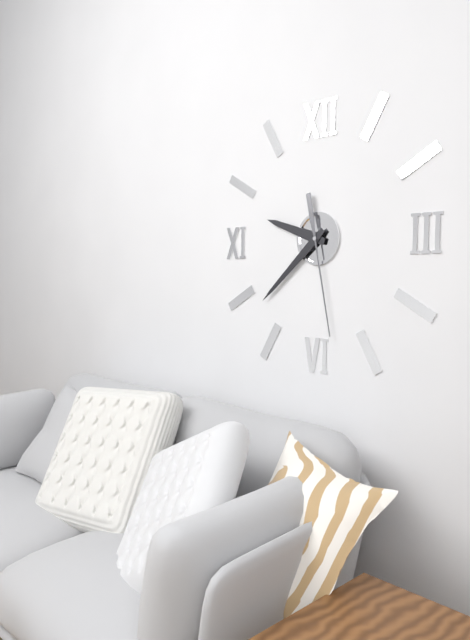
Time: **9:38:28**
